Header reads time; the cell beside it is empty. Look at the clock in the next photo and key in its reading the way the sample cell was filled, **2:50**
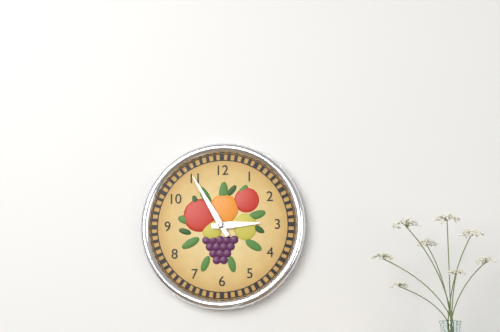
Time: **2:55**
